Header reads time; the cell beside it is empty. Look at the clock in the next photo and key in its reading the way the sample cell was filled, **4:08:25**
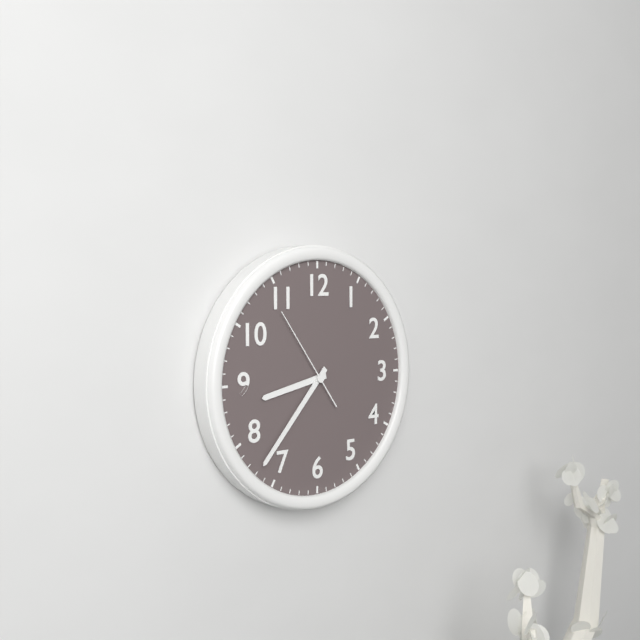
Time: **8:37:54**
